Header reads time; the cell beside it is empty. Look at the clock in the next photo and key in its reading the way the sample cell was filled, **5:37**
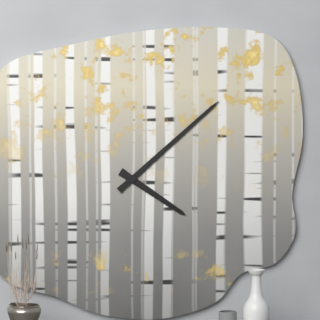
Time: **4:08**
